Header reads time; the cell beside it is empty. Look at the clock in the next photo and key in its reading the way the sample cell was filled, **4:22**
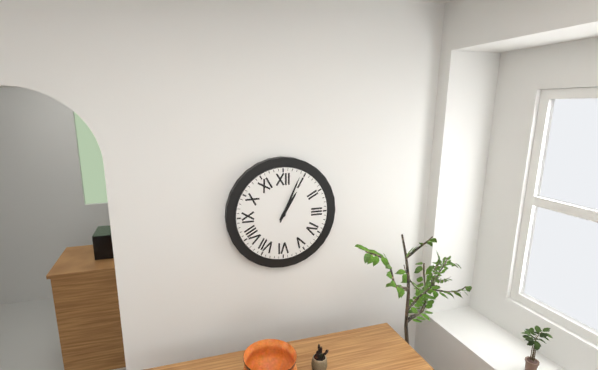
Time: **1:04**
